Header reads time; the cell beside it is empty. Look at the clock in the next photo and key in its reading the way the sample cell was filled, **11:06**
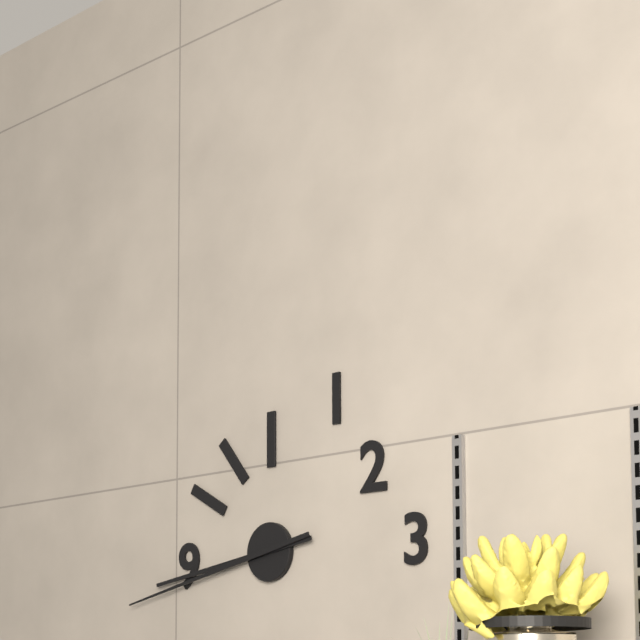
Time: **8:43**
